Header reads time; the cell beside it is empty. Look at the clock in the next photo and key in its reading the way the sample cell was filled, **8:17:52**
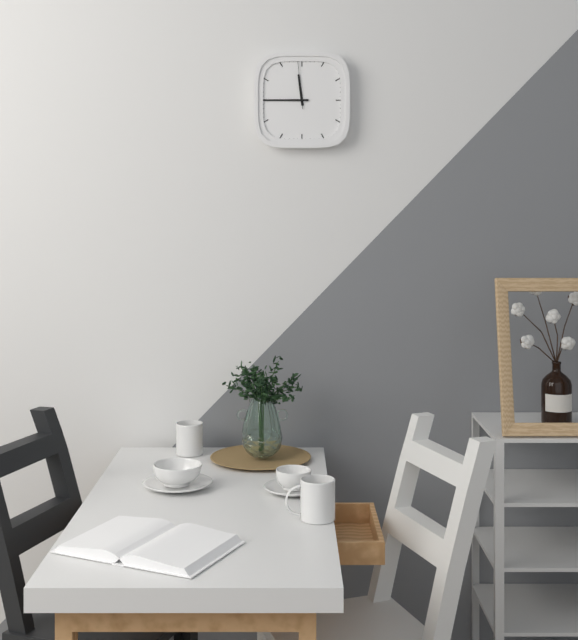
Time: **11:45:59**
